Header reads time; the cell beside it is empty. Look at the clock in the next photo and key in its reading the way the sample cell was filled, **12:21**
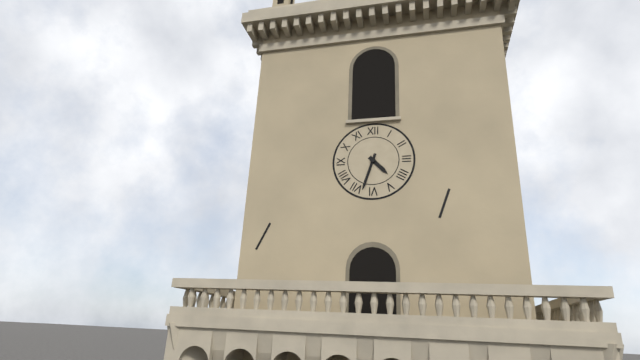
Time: **4:33**
